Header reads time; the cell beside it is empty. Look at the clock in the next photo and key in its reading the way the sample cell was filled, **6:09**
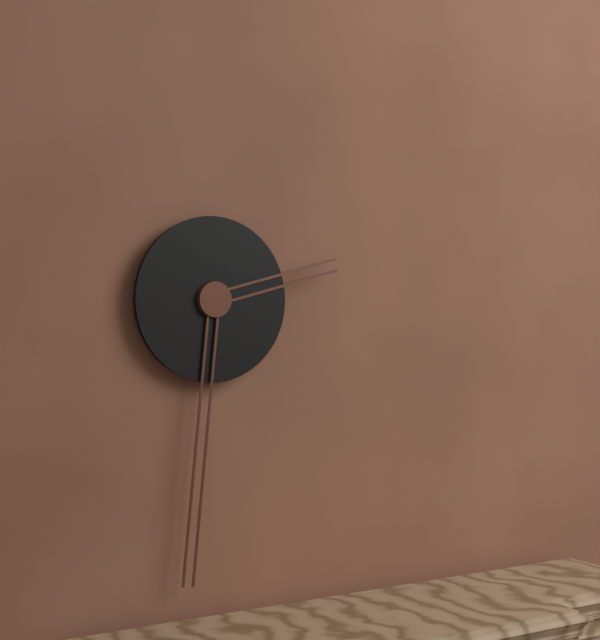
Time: **2:31**
